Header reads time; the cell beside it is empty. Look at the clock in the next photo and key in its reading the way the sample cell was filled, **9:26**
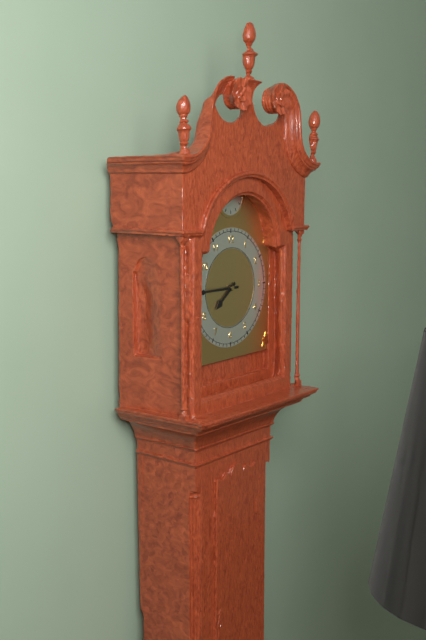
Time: **7:45**
